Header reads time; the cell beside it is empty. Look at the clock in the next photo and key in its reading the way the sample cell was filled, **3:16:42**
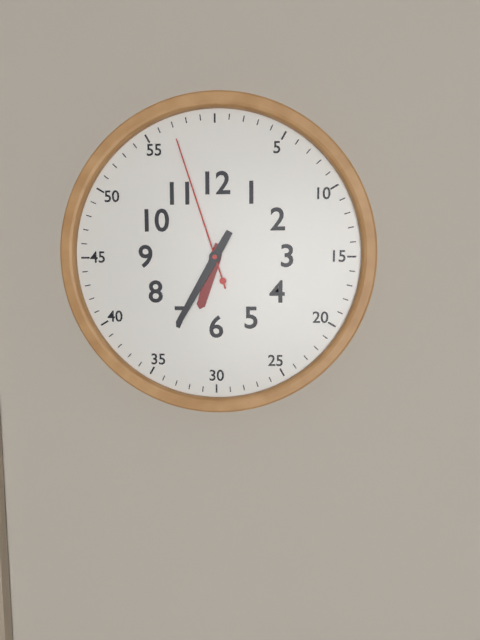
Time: **6:35:57**
